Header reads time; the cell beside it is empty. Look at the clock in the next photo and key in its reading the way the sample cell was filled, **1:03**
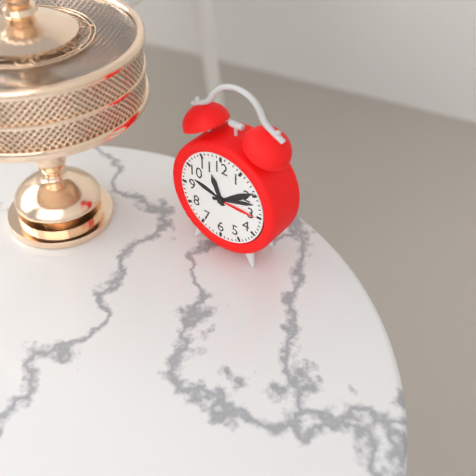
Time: **11:12**
